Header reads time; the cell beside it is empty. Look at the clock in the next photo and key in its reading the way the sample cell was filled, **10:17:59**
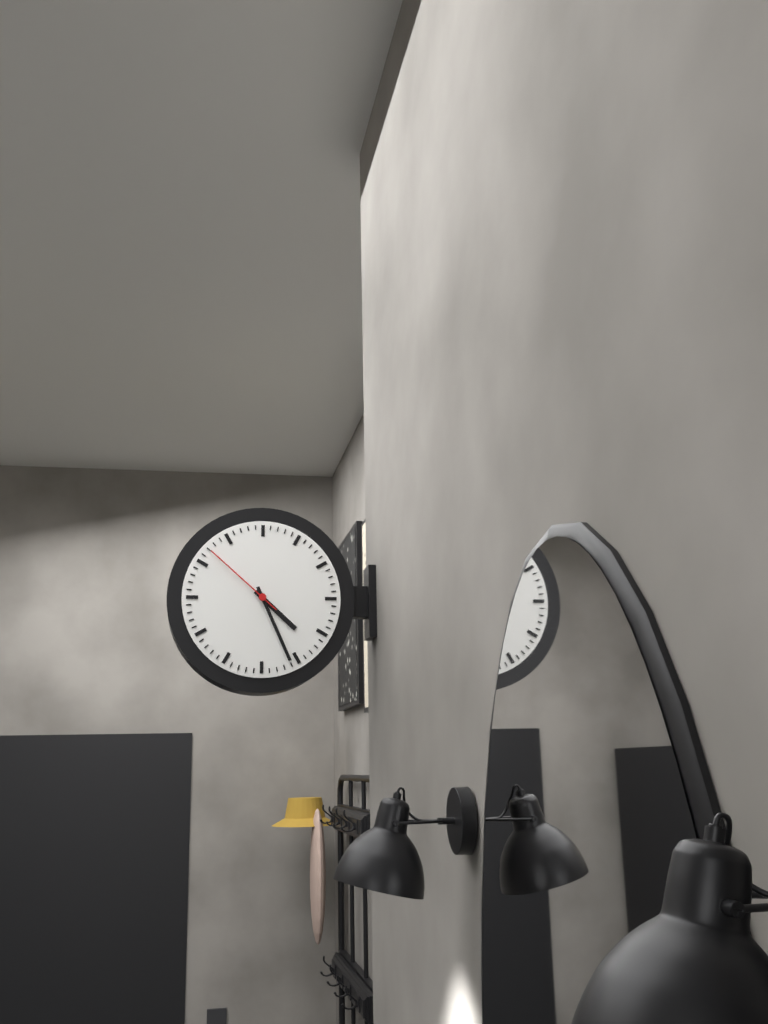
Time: **4:26:52**
